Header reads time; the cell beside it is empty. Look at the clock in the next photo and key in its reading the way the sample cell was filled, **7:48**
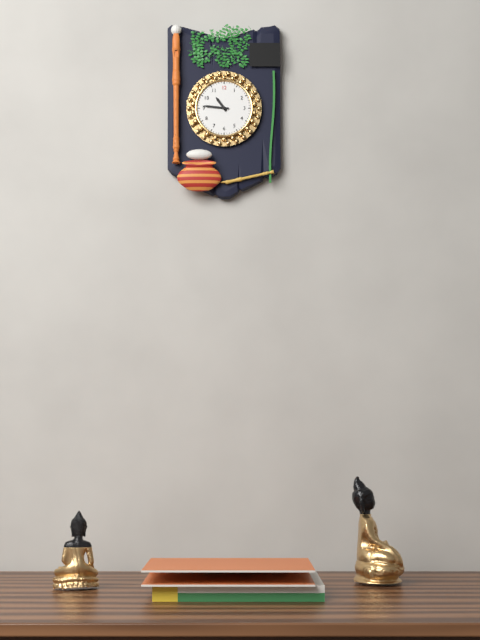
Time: **10:46**
